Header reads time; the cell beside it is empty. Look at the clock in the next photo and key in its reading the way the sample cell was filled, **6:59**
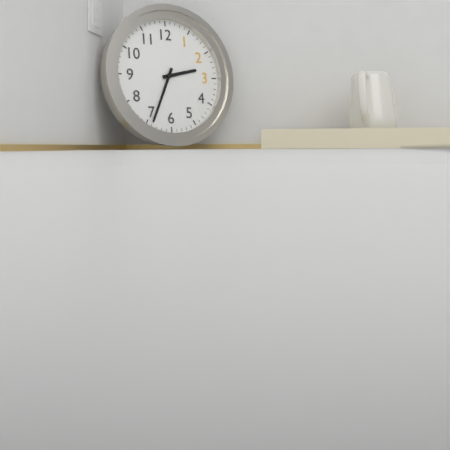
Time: **2:34**
